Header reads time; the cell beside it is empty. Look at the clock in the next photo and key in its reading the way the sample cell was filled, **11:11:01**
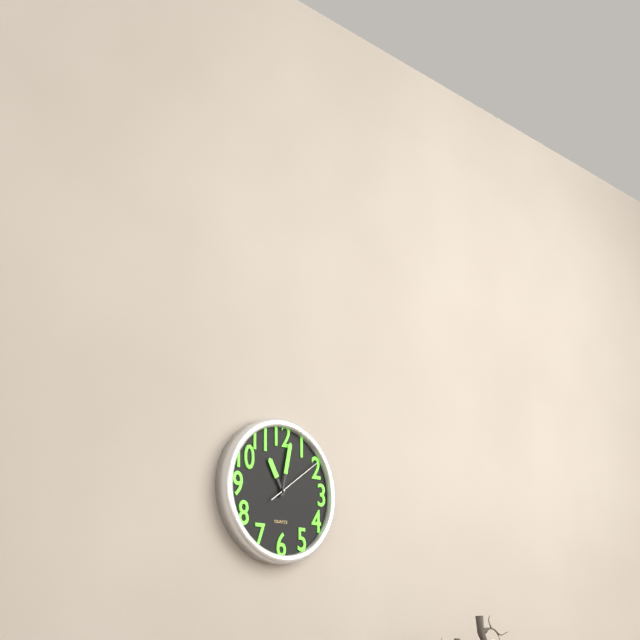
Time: **11:02:09**
